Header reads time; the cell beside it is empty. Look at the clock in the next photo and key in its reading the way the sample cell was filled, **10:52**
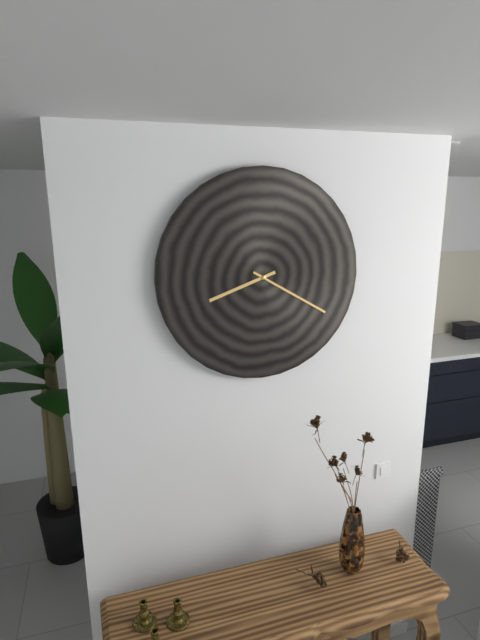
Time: **8:20**
